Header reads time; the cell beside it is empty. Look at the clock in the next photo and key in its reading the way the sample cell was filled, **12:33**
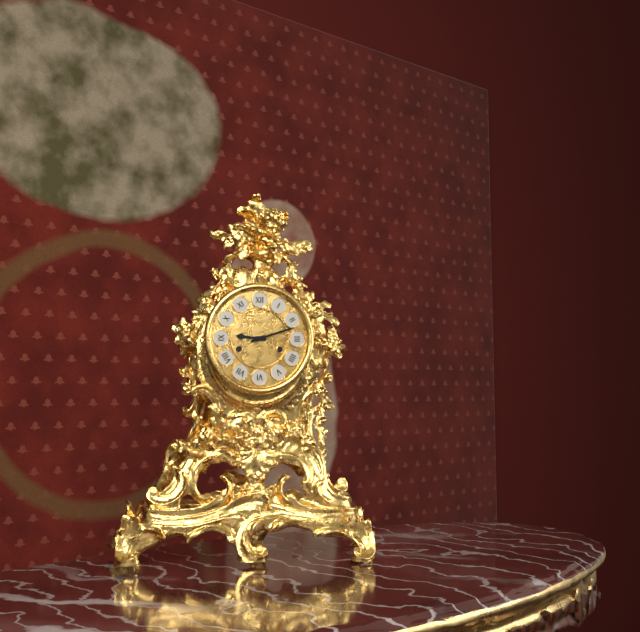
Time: **9:12**
